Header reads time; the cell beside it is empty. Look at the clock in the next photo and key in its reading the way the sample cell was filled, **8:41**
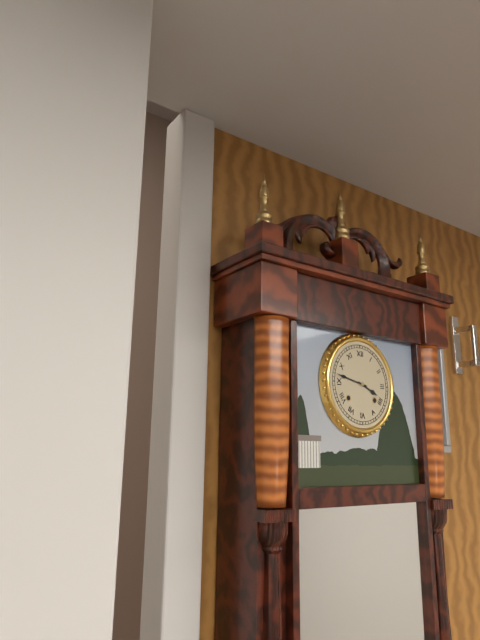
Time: **3:47**
